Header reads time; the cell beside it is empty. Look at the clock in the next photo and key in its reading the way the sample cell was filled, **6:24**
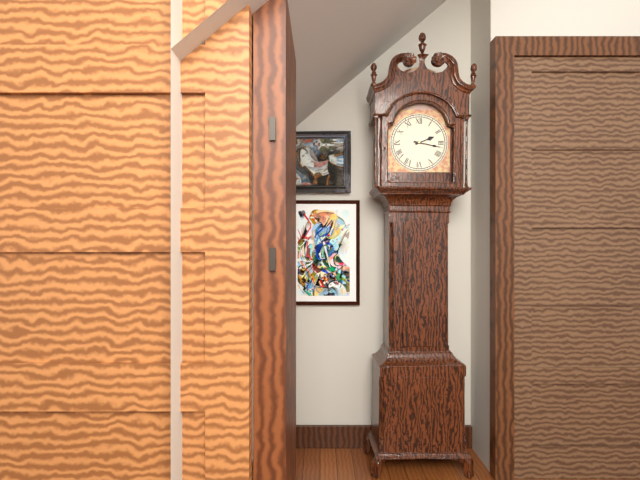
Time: **2:17**
